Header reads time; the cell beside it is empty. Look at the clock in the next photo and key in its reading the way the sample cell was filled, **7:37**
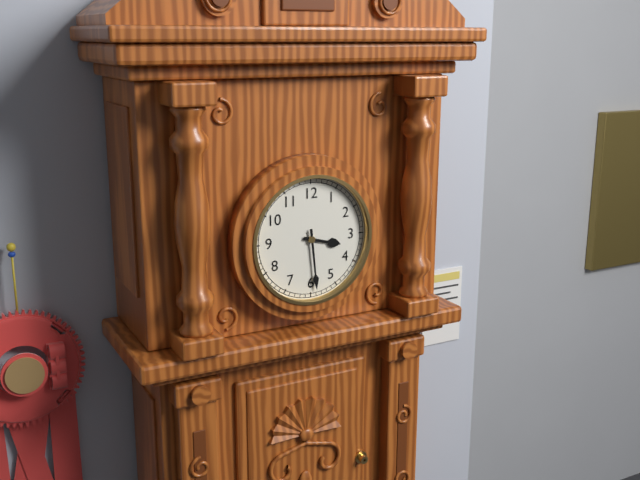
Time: **3:29**
